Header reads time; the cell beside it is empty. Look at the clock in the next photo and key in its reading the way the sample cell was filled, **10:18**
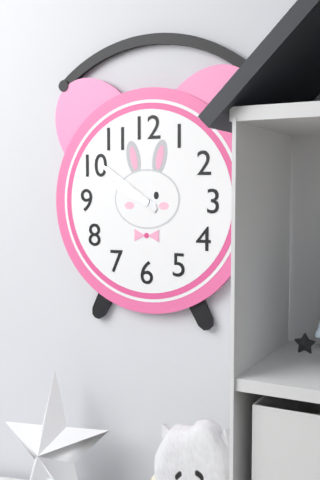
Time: **9:51**
